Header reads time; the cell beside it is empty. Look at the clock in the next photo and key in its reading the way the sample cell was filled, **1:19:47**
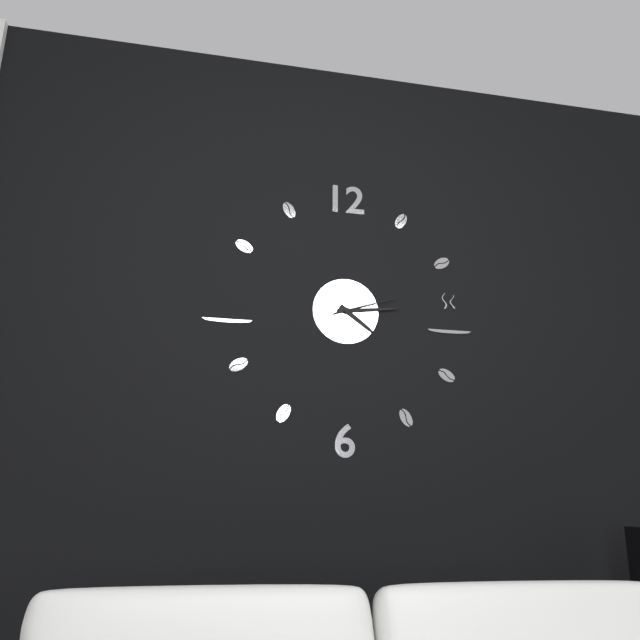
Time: **4:14:12**
